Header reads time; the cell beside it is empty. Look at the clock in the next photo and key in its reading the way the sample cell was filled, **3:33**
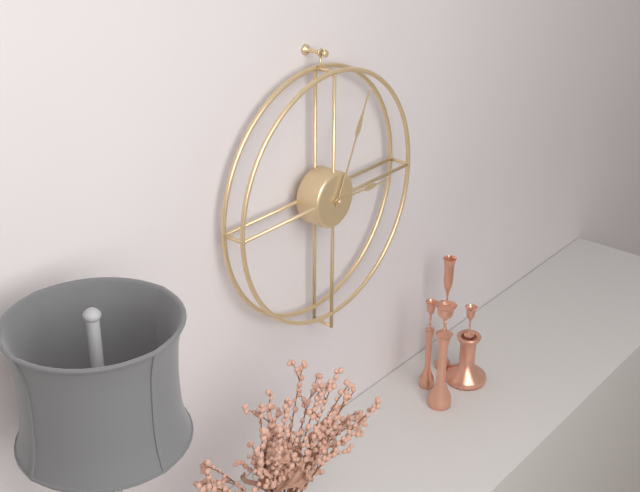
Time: **3:04**
